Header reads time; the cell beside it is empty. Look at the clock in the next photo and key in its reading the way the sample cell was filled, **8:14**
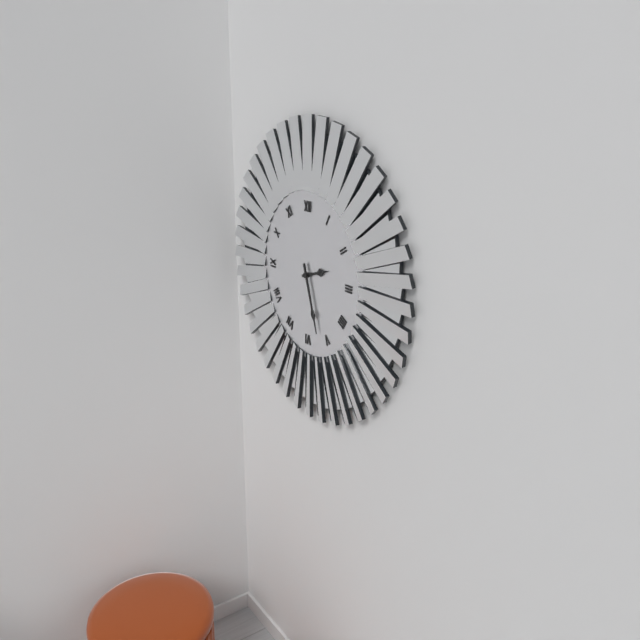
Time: **2:27**
